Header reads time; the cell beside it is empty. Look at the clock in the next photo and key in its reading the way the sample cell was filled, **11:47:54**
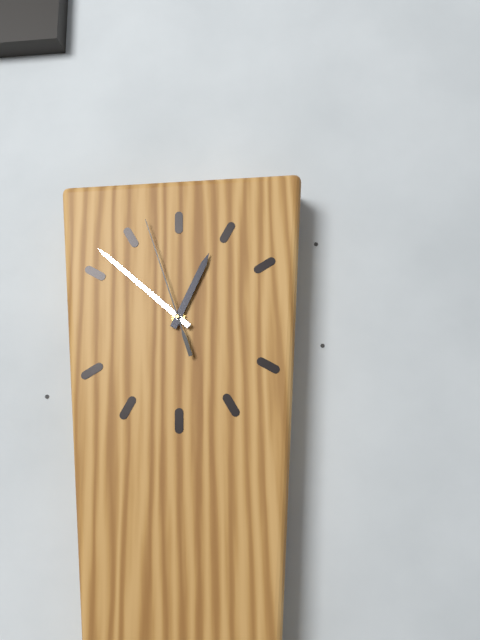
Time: **12:52:57**
